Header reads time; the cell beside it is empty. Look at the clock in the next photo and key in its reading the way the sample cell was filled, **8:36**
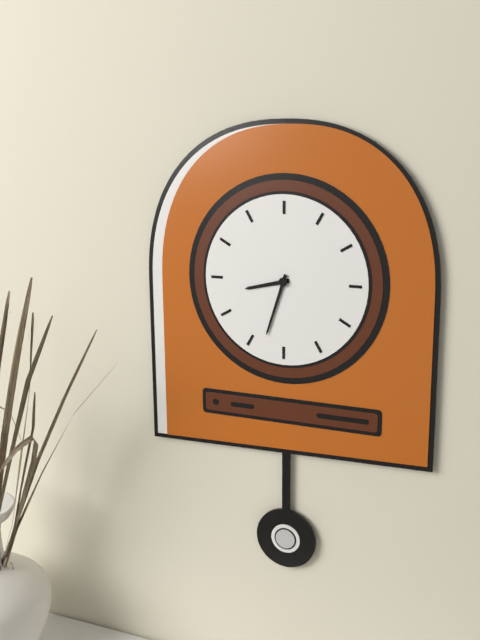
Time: **8:33**
